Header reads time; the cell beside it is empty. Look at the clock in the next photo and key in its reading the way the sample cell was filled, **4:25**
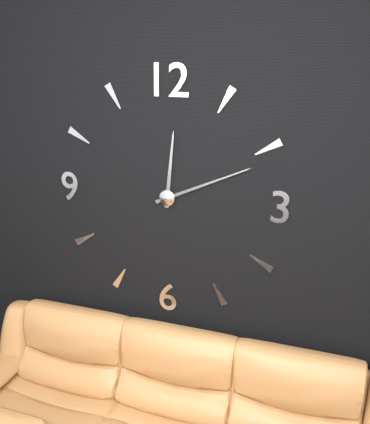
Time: **12:11**
